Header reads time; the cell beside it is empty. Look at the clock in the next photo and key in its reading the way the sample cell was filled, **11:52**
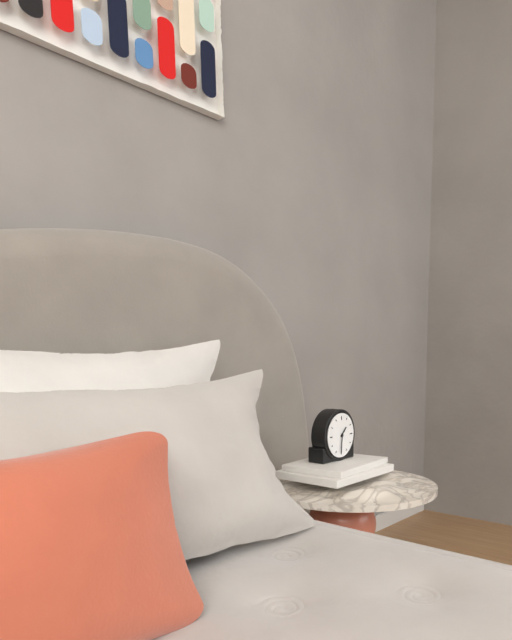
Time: **1:31**
